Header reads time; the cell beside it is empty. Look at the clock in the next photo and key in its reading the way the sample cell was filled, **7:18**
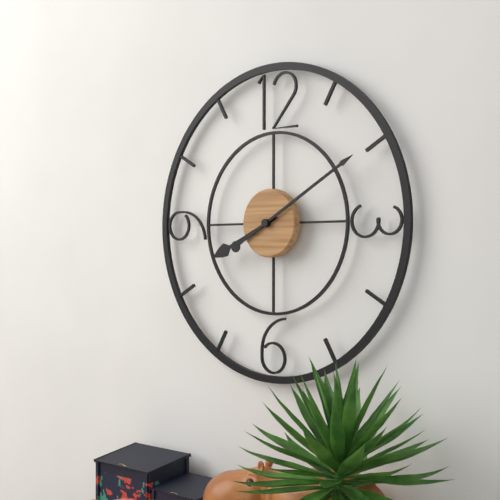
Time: **8:10**
